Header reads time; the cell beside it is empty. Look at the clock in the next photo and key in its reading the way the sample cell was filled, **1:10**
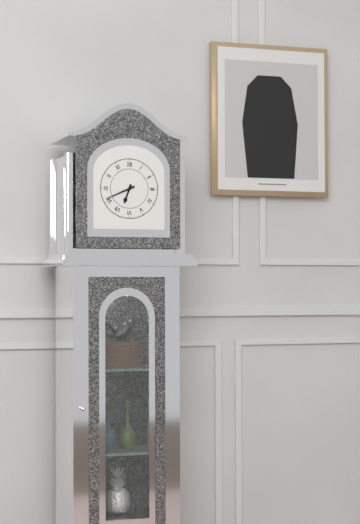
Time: **6:41**
